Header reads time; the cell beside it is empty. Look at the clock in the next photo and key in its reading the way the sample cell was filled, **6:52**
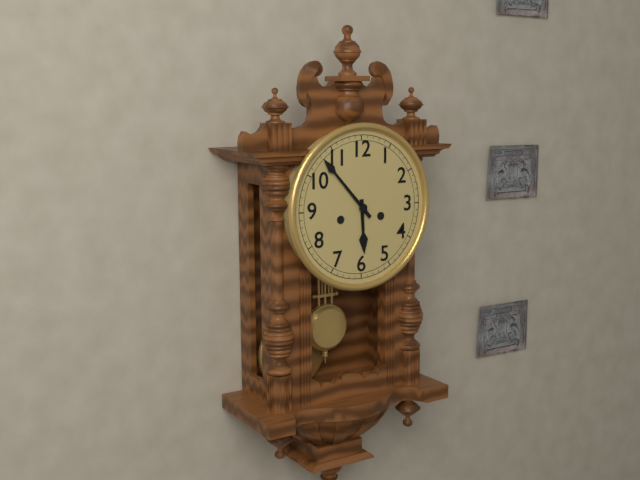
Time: **5:53**
